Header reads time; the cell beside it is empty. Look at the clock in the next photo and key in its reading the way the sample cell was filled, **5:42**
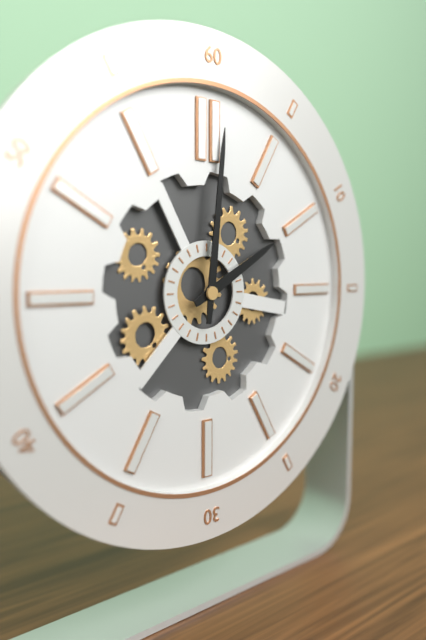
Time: **2:01**
